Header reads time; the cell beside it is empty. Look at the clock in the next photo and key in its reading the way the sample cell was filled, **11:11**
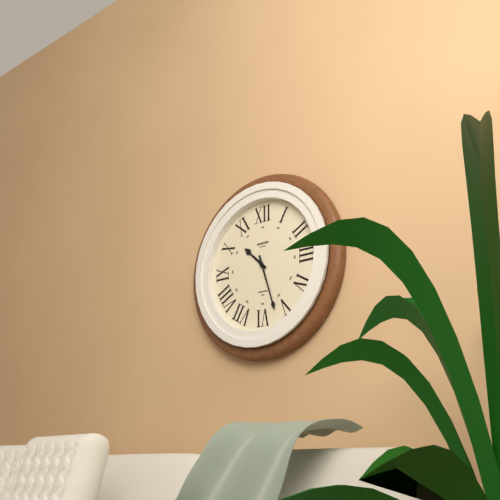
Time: **10:27**
